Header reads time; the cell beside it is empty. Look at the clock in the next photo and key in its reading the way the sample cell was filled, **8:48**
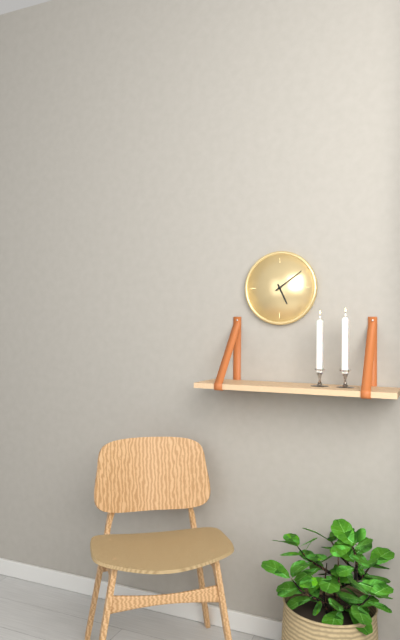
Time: **5:09**
